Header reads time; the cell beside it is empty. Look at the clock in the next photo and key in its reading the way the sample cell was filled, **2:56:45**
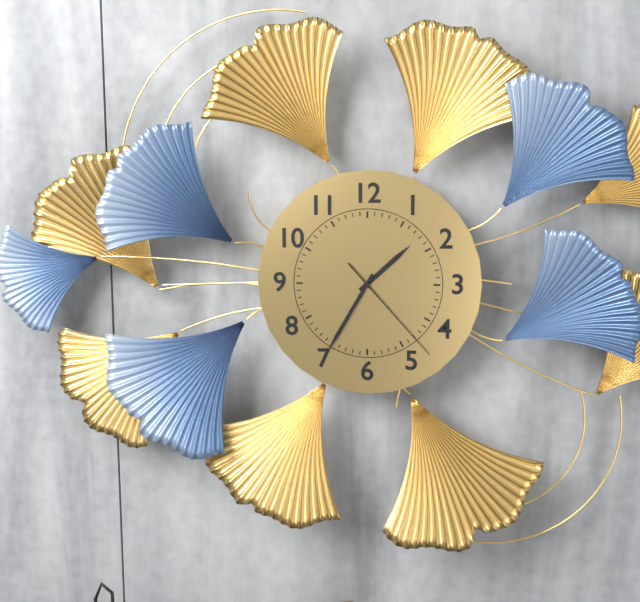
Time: **1:35:23**
